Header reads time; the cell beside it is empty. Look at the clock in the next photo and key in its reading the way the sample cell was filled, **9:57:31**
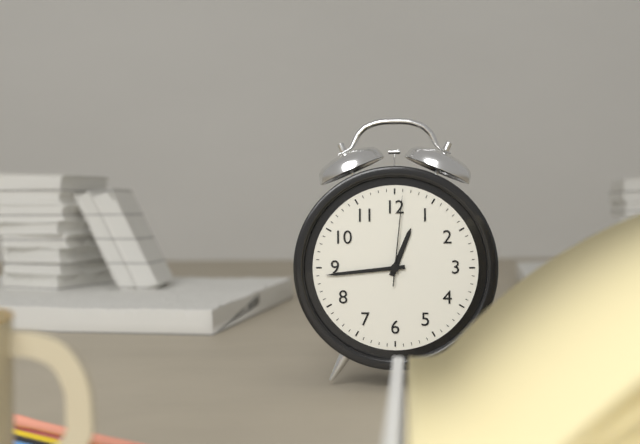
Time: **12:44:01**
